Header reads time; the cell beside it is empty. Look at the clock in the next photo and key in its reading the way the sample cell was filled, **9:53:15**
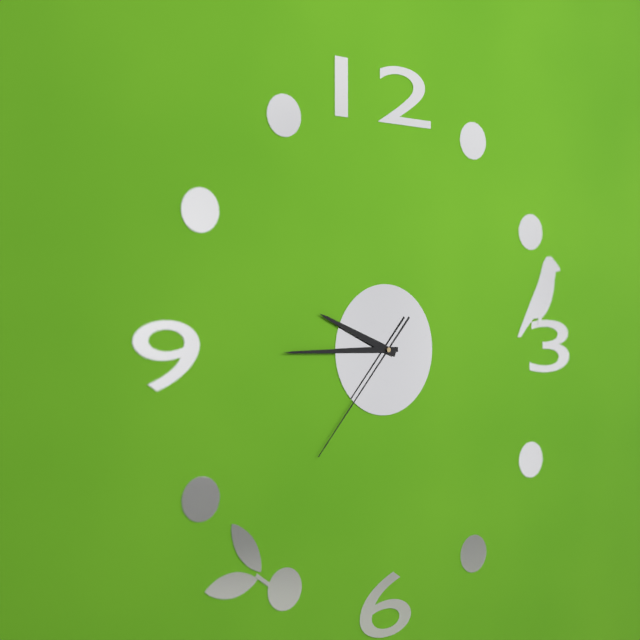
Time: **9:45:37**
